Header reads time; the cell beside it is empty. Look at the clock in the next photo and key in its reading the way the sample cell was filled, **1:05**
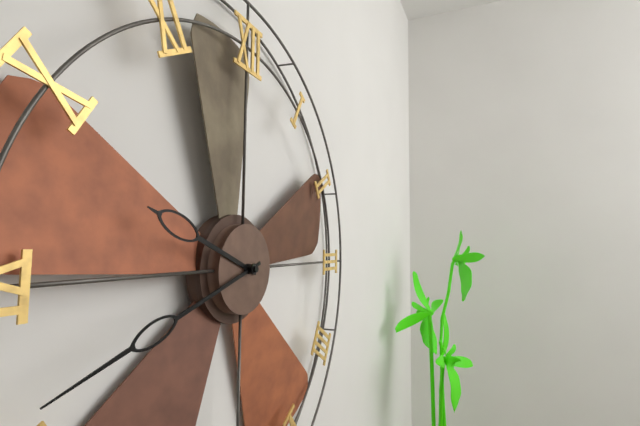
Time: **9:42**
